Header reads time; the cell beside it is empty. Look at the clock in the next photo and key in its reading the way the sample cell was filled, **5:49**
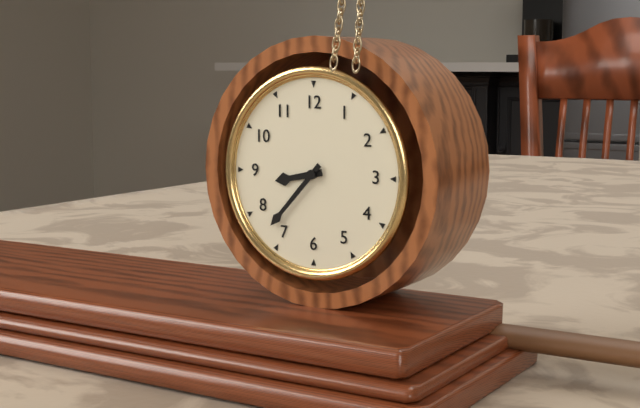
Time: **8:37**
